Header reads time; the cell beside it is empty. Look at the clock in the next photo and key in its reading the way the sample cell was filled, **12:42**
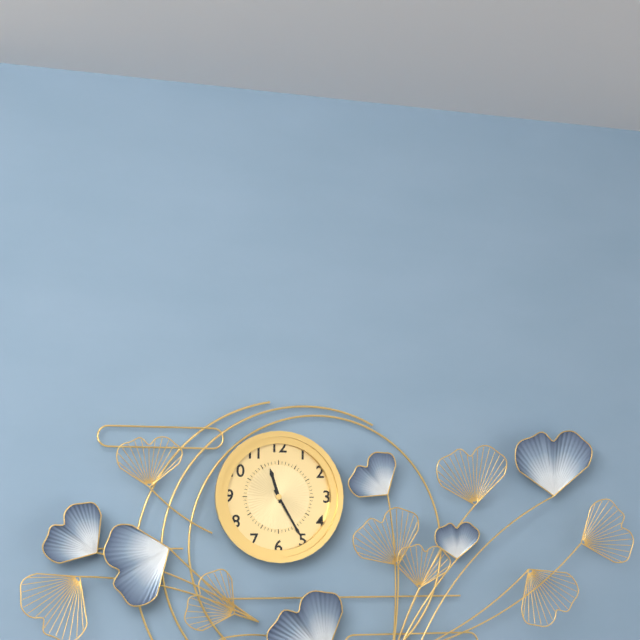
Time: **11:25**
